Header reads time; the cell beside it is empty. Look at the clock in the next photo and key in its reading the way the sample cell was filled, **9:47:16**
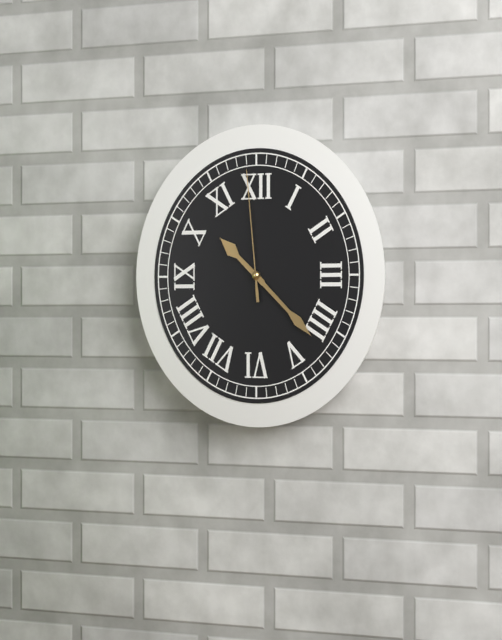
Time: **10:22:59**
